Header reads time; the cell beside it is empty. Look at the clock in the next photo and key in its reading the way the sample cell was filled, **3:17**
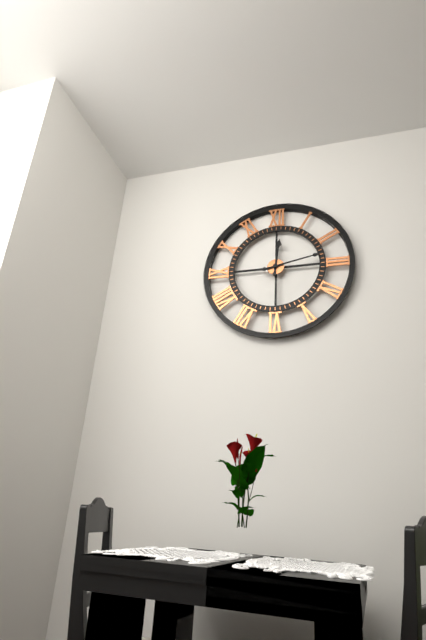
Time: **12:13**
